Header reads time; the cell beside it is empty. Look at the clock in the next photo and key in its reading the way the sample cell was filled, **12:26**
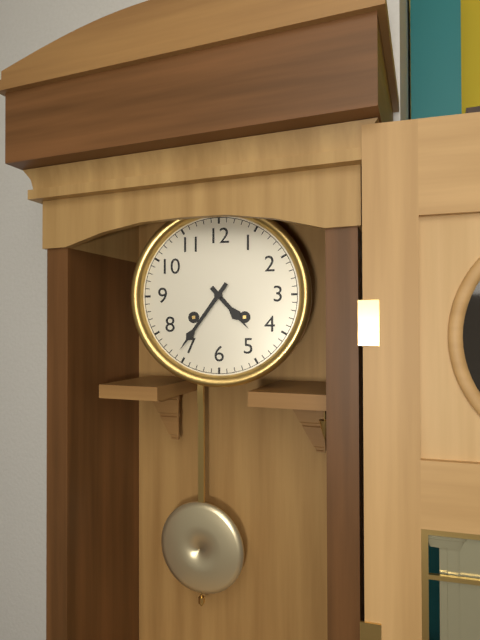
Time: **4:36**
